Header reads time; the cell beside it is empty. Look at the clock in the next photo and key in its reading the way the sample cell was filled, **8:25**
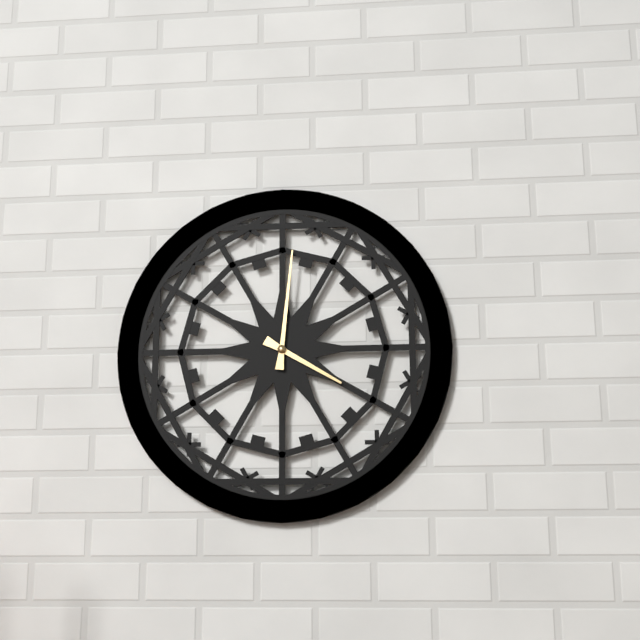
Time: **4:01**
